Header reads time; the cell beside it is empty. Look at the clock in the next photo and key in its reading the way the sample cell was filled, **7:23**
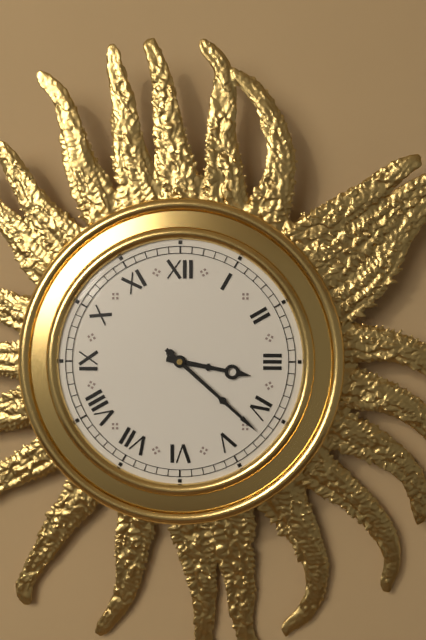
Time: **3:22**
